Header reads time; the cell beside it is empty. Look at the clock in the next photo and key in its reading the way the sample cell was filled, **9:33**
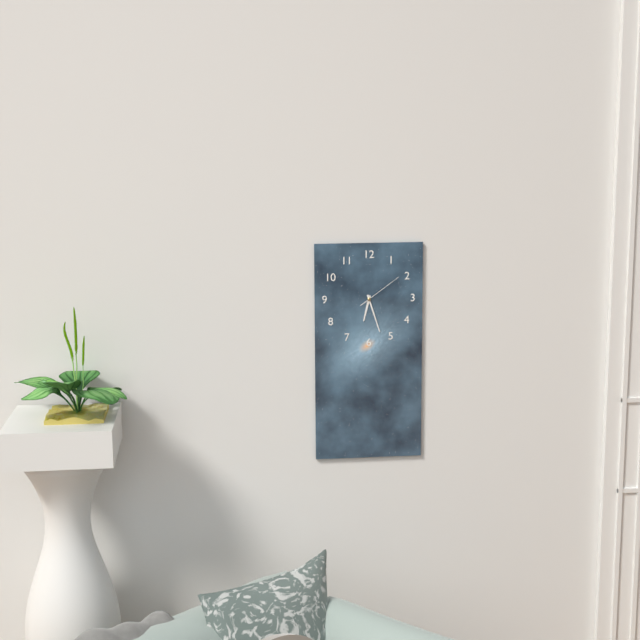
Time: **6:27**
